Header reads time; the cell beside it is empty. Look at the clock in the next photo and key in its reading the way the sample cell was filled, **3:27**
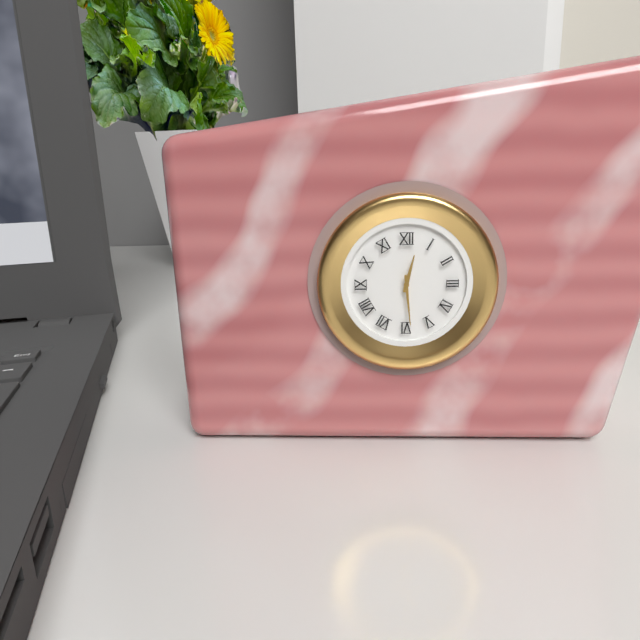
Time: **12:29**
